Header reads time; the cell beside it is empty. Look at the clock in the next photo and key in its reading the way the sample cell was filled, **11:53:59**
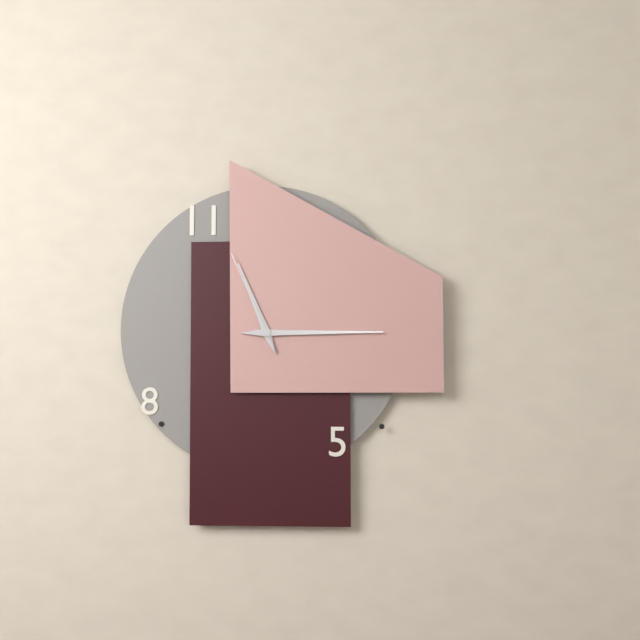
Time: **11:15:56**
